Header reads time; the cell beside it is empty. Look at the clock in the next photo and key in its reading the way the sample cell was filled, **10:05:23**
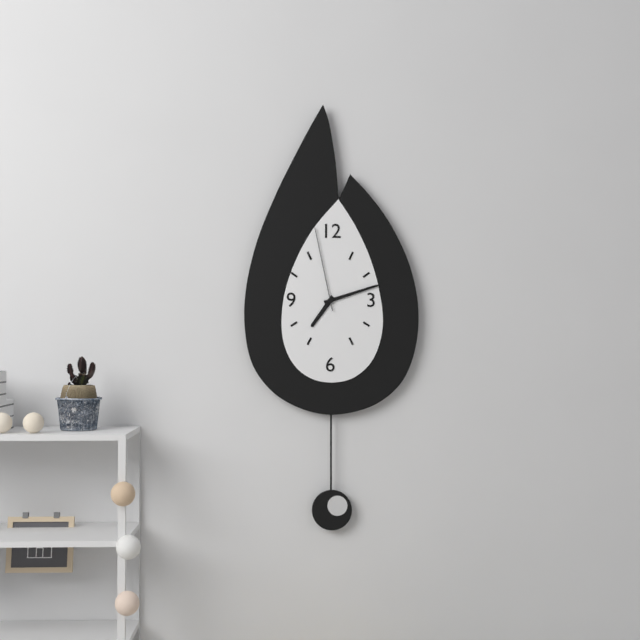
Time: **7:12:58**
